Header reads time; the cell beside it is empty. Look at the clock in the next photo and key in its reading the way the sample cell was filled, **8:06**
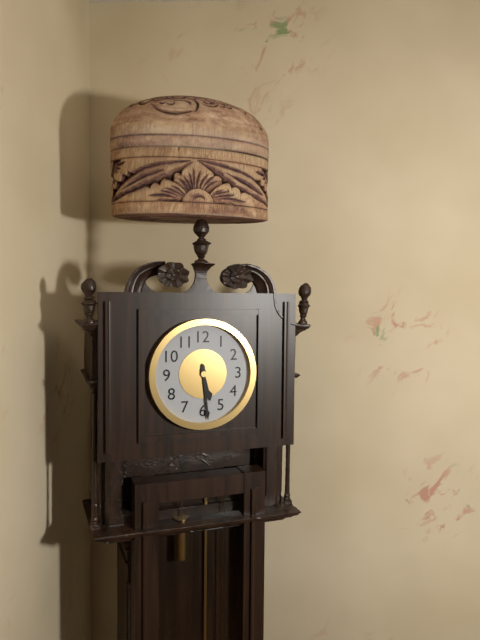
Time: **5:29**
